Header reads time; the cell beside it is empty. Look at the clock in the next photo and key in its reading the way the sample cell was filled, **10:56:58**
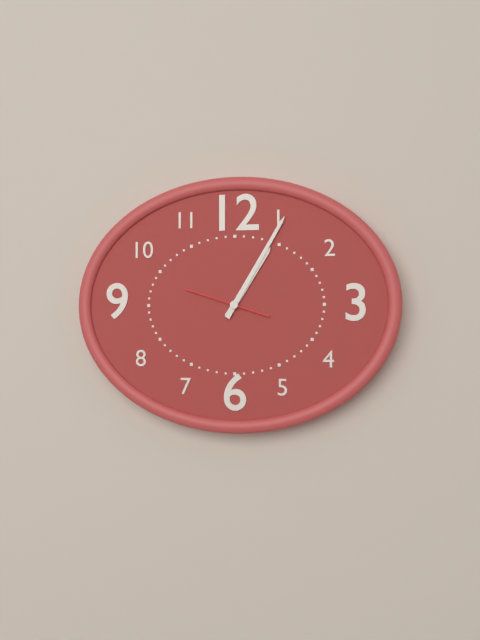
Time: **1:05:48**
